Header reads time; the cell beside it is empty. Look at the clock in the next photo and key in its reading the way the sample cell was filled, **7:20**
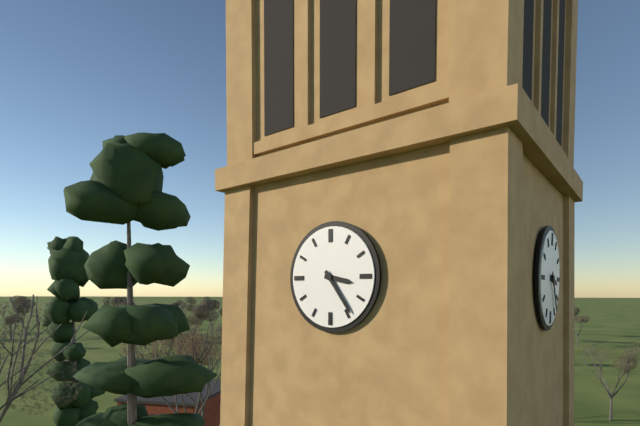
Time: **3:24**
